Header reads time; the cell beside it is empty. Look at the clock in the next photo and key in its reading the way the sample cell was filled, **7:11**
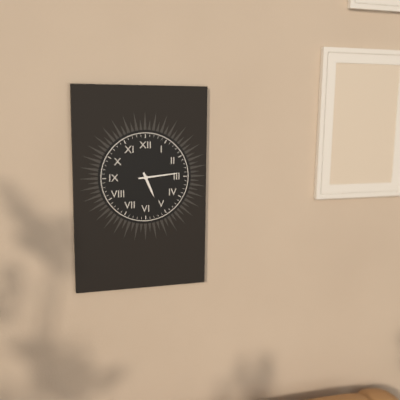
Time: **5:14**
